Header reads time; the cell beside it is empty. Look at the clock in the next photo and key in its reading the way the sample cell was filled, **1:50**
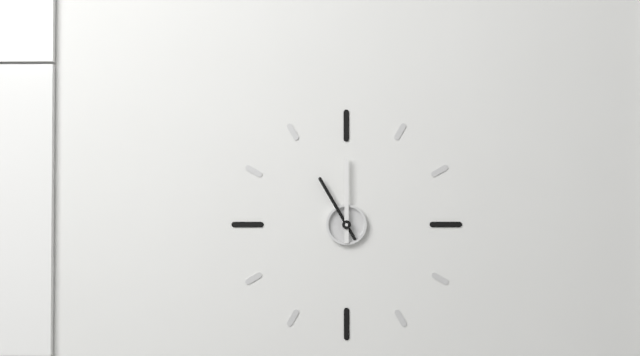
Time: **11:00**
